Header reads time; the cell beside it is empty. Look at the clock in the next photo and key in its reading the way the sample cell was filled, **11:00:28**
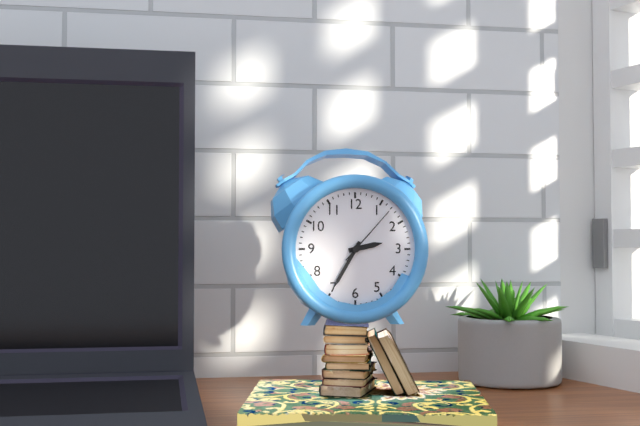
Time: **2:35:07**
